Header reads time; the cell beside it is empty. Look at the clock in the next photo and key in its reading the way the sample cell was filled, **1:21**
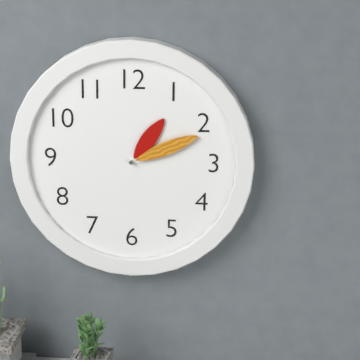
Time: **1:11**
